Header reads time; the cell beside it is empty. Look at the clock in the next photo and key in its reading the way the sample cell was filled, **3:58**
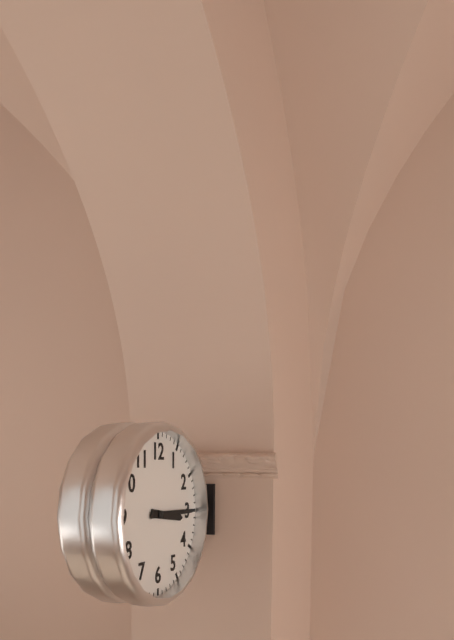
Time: **3:15**
